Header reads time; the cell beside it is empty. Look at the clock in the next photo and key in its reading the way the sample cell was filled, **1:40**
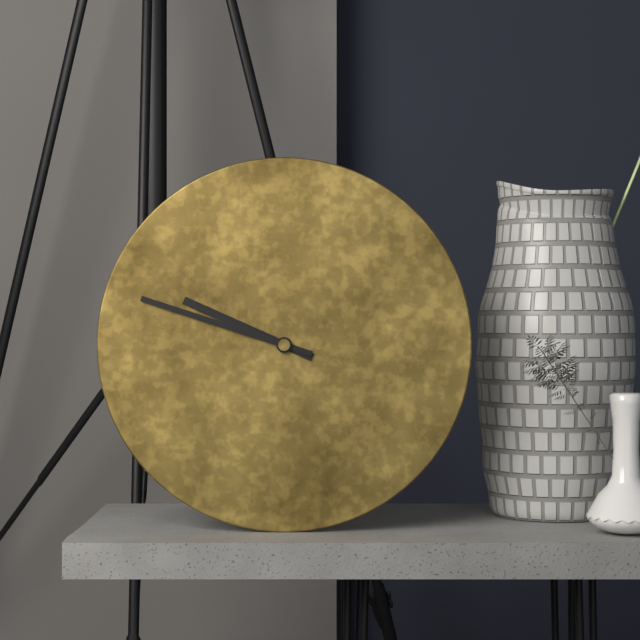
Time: **9:48**
